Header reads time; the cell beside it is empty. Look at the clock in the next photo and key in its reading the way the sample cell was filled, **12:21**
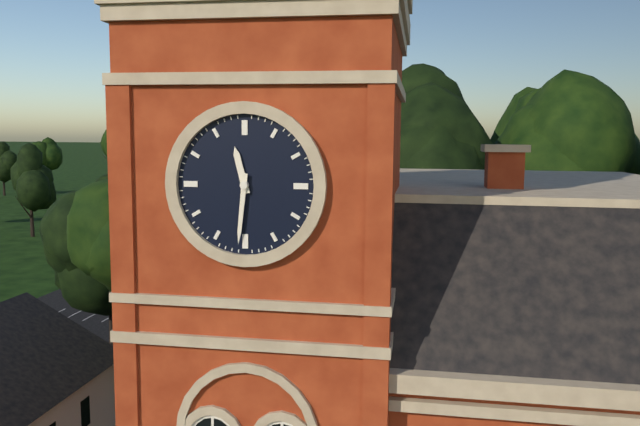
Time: **11:31**
